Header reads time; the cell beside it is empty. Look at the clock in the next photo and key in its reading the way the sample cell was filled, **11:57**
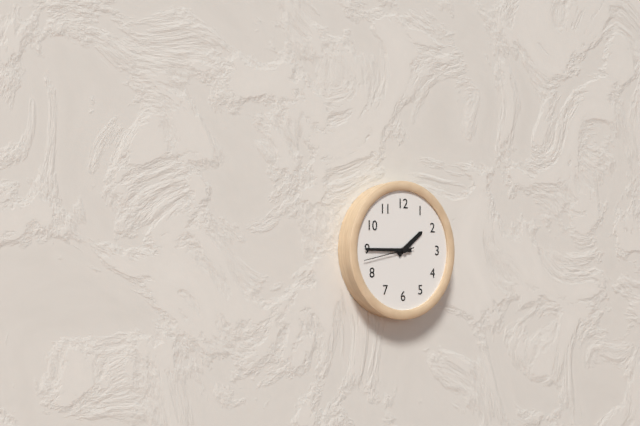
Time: **1:45**
